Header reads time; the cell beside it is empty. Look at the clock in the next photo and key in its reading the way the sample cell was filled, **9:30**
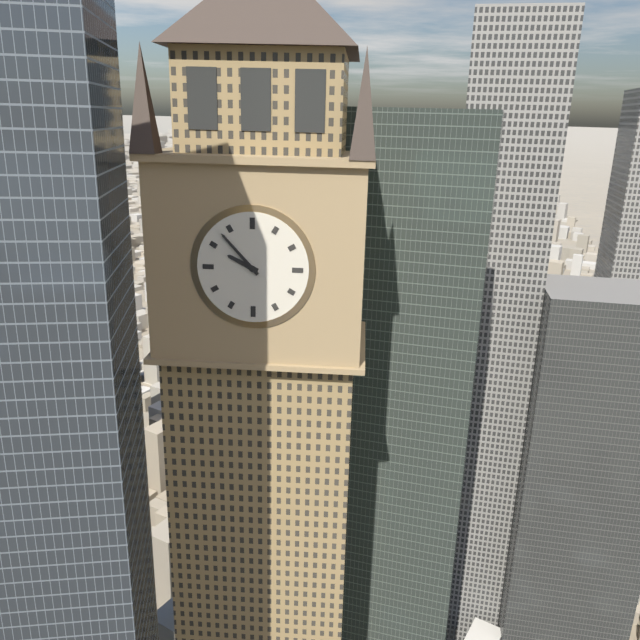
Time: **9:53**
